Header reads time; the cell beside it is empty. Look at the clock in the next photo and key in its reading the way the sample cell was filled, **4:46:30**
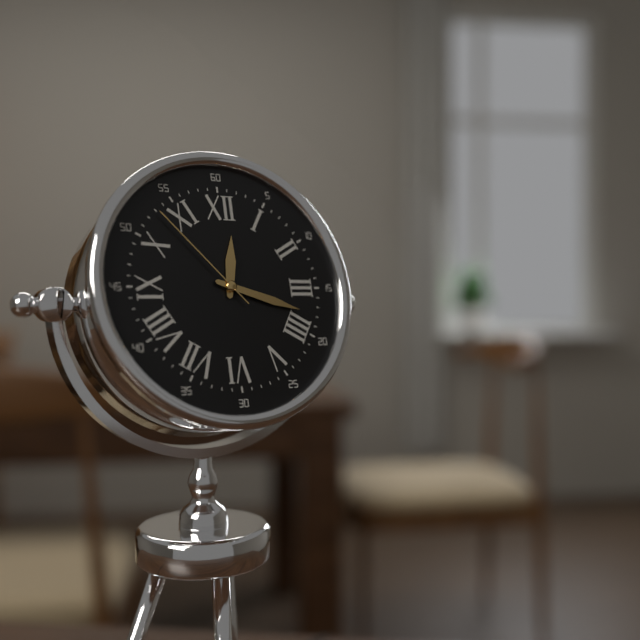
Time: **12:18:53**
